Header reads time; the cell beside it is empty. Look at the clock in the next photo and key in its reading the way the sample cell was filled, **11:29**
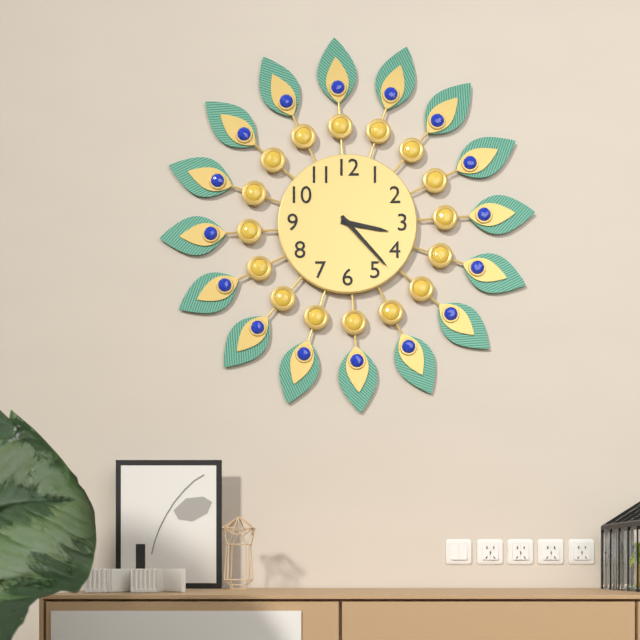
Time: **3:23**
